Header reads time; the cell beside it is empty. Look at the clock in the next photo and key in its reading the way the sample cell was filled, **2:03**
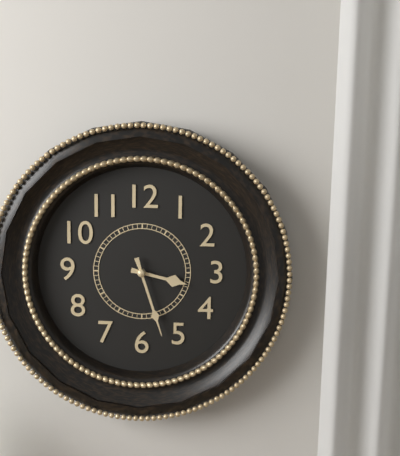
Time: **3:27**
